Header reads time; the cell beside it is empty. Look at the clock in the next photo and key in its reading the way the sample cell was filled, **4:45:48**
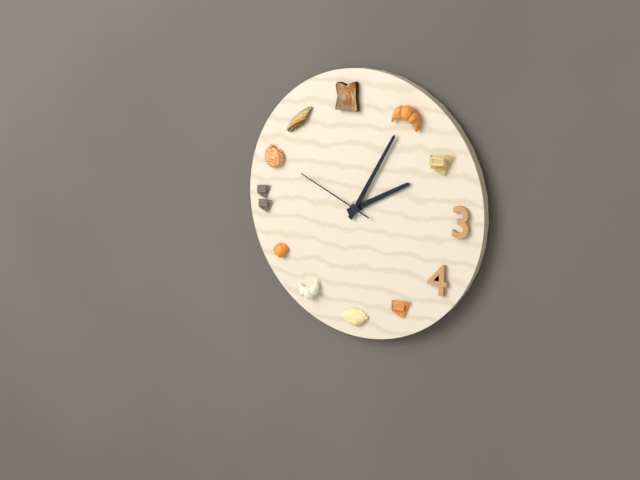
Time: **2:05:49**
